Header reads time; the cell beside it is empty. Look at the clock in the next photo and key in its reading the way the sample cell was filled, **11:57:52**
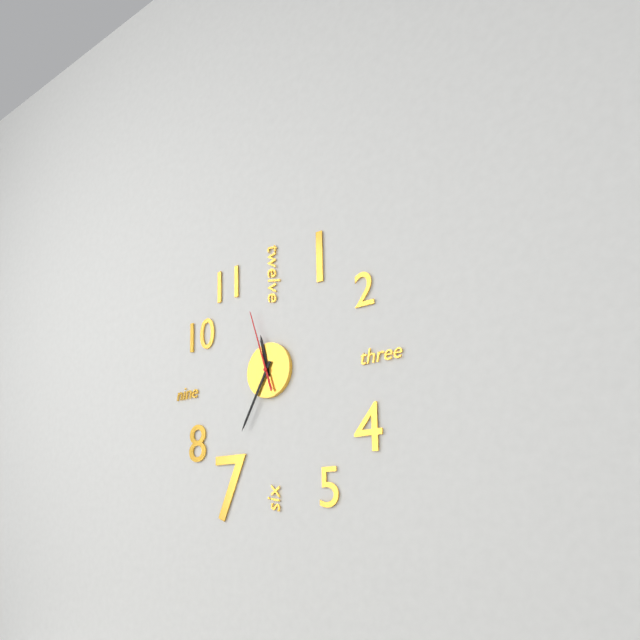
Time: **11:35:57**
